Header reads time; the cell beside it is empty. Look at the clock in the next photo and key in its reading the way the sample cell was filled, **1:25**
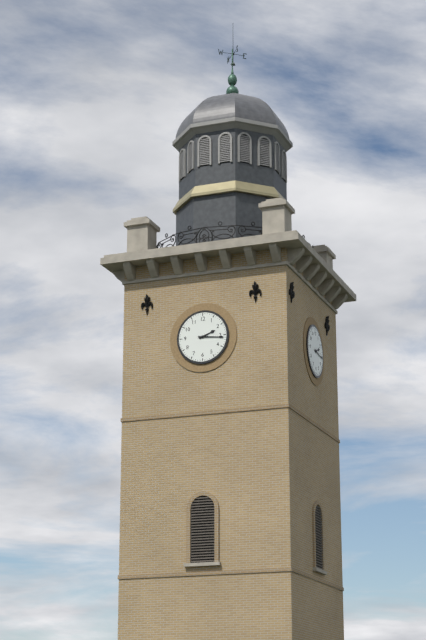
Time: **2:16**
